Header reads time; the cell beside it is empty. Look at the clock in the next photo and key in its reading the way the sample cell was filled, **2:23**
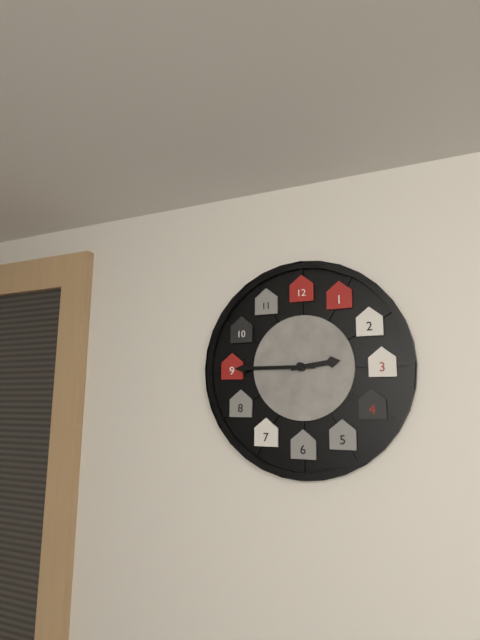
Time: **2:45**
